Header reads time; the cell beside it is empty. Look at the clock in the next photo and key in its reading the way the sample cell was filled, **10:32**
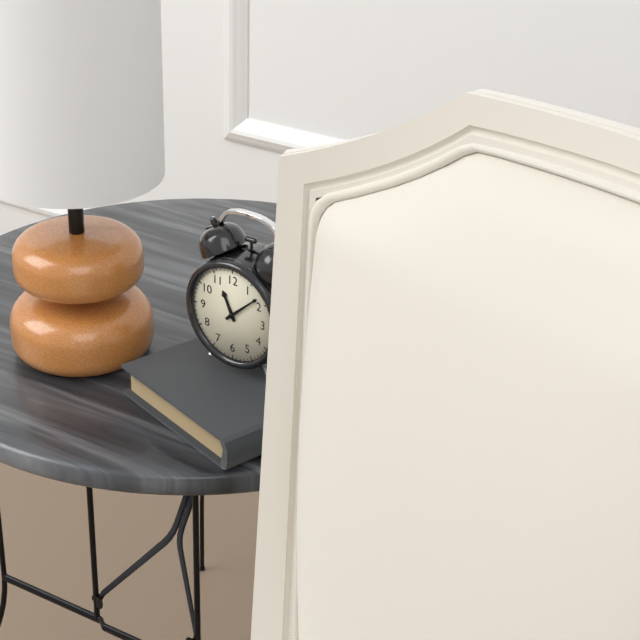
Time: **11:08**
